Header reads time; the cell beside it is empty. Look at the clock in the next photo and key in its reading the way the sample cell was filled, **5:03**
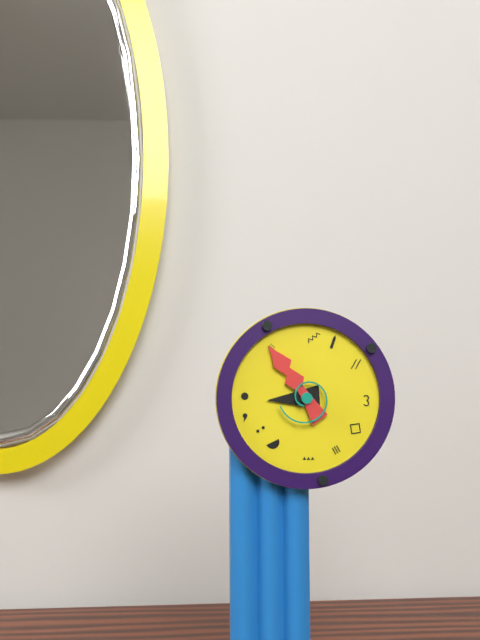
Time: **8:54**
